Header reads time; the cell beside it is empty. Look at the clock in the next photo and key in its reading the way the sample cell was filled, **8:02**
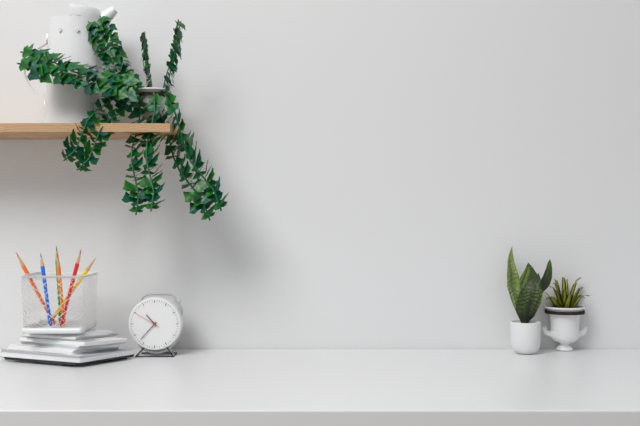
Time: **10:37**
